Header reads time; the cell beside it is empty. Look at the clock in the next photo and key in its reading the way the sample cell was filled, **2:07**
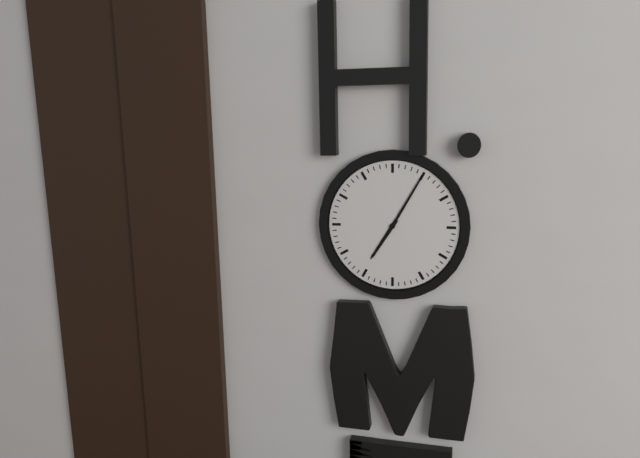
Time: **7:05**
